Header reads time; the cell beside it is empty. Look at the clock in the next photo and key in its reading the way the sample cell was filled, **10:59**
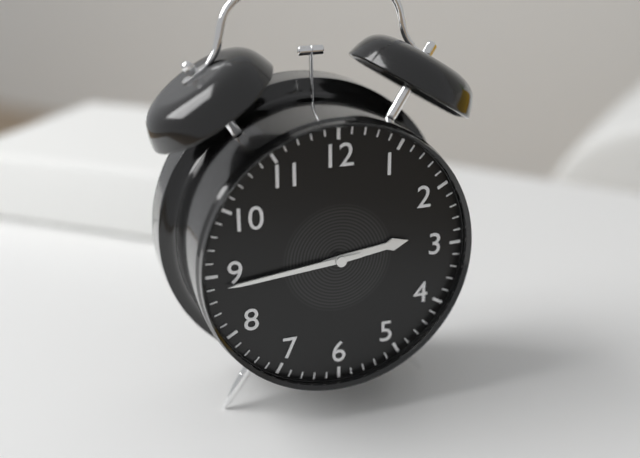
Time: **2:44**
